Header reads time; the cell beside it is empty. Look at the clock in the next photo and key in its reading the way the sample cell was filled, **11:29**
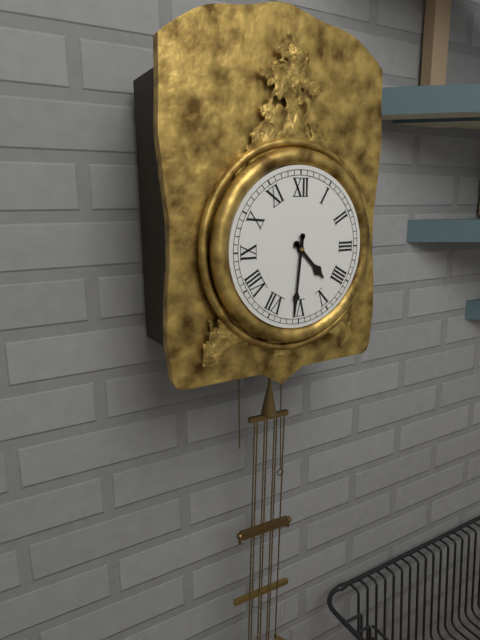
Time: **4:31**
